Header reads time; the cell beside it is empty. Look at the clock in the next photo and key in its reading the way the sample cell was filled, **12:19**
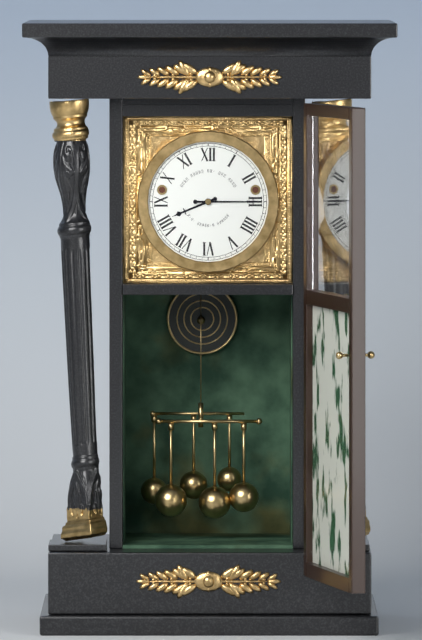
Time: **8:15**
